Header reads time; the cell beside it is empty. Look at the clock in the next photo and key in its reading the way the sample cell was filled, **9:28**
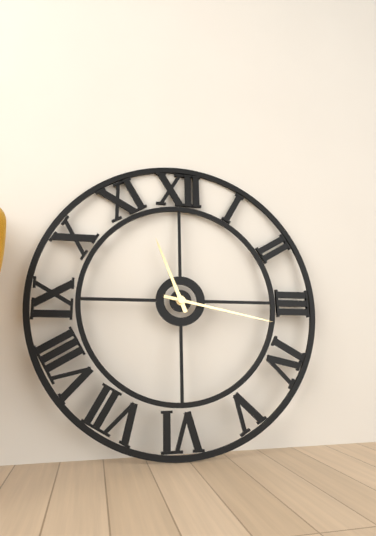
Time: **11:17**
